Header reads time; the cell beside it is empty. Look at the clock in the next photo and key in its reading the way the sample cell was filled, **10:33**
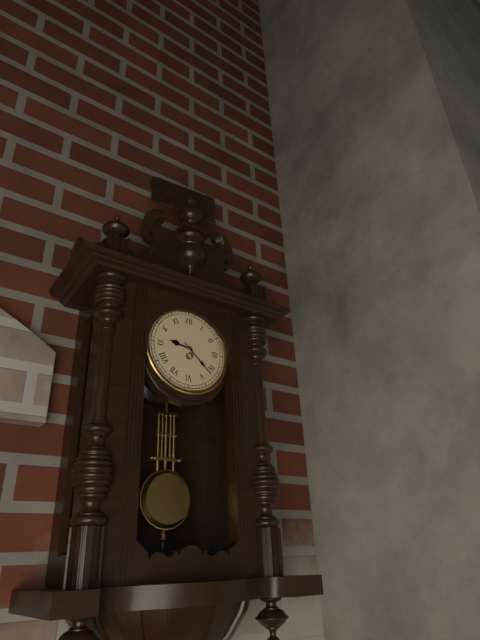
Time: **9:22**
